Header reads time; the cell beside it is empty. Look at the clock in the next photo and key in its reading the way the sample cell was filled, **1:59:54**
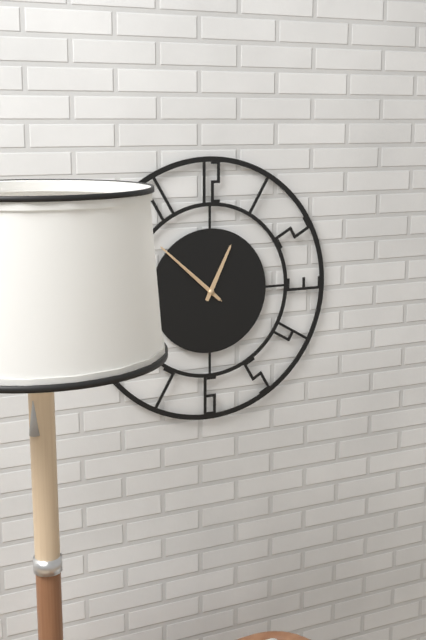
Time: **12:52:52**
